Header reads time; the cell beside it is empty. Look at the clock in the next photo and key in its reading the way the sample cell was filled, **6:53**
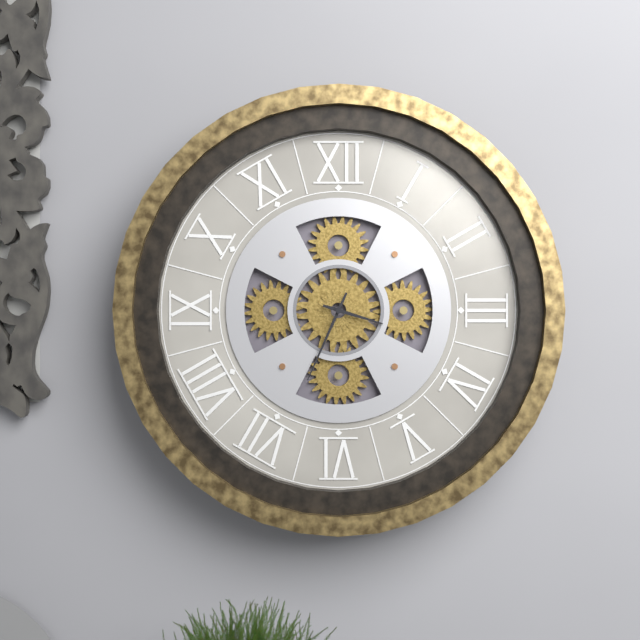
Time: **3:34**
